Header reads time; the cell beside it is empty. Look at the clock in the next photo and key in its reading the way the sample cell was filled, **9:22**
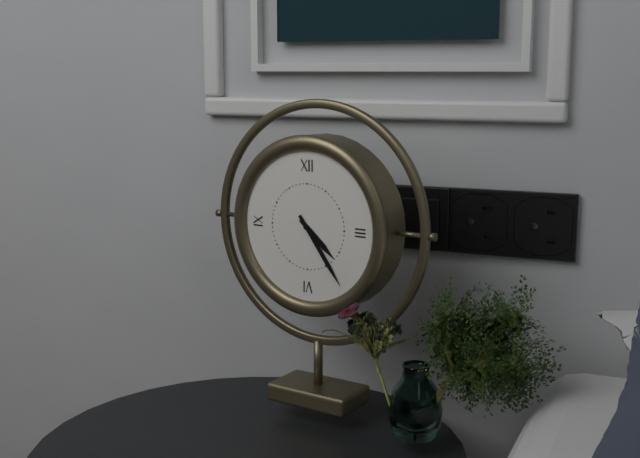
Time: **4:24**
